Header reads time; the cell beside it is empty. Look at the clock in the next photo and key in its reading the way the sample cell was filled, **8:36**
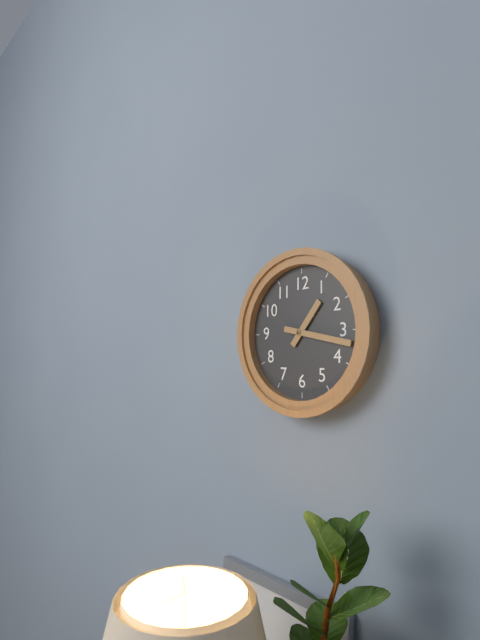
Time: **1:17**
